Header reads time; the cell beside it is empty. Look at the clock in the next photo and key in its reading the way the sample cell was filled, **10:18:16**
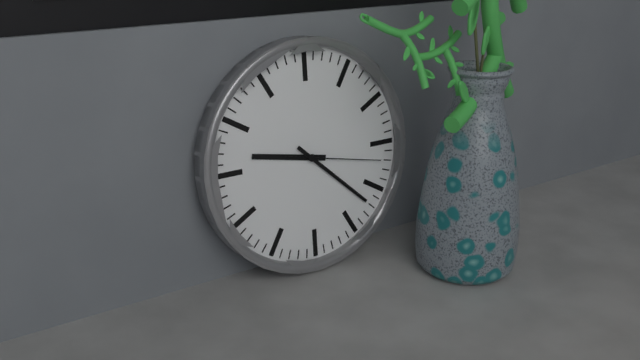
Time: **9:22:17**
